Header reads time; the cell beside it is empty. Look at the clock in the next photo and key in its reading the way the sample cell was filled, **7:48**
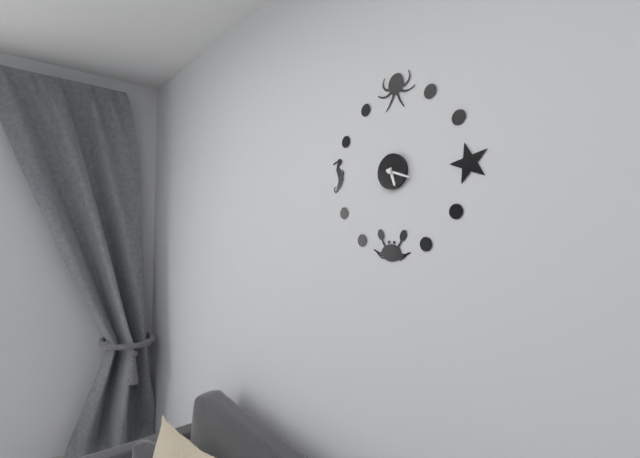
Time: **5:18**
